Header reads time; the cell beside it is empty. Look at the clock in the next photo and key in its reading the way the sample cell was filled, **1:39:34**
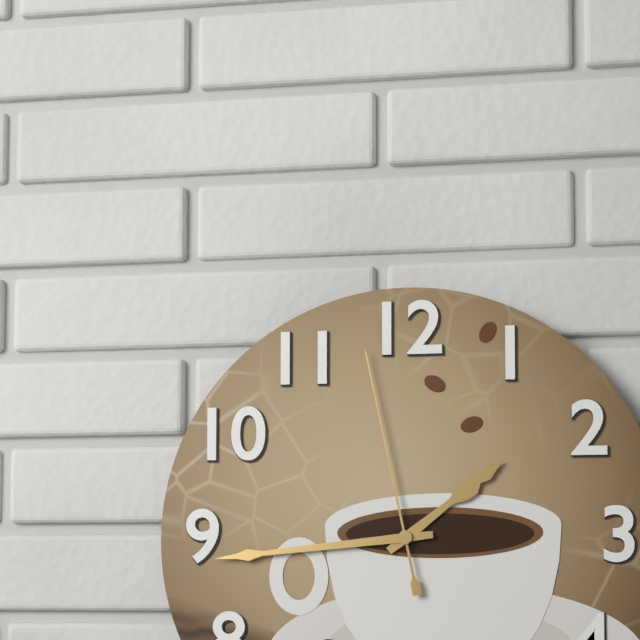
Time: **1:44:58**
